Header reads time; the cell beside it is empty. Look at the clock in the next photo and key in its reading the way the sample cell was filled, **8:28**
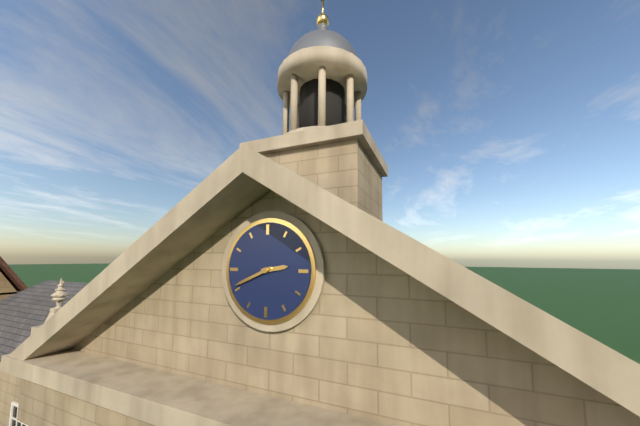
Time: **2:41**
